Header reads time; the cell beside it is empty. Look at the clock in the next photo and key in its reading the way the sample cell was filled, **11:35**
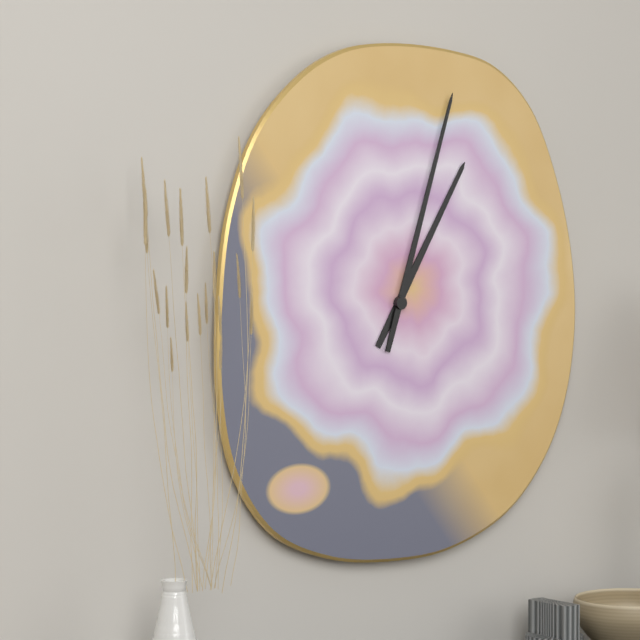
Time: **1:03**
